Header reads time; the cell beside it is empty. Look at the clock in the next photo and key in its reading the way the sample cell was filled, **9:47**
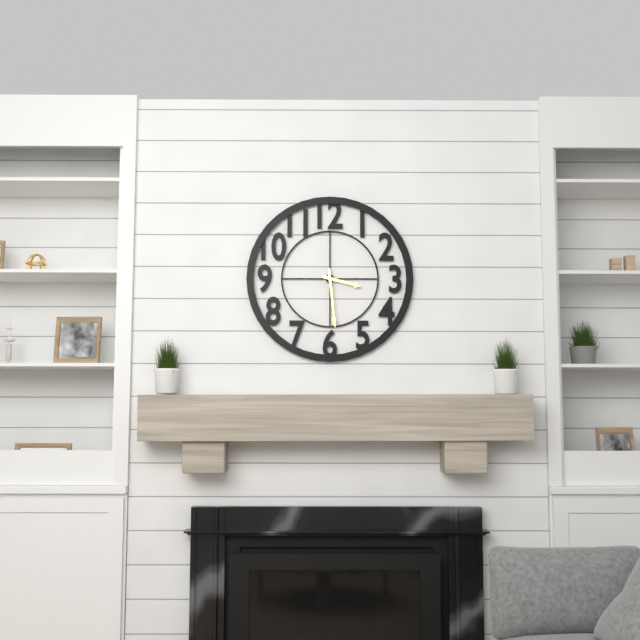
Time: **3:29**
